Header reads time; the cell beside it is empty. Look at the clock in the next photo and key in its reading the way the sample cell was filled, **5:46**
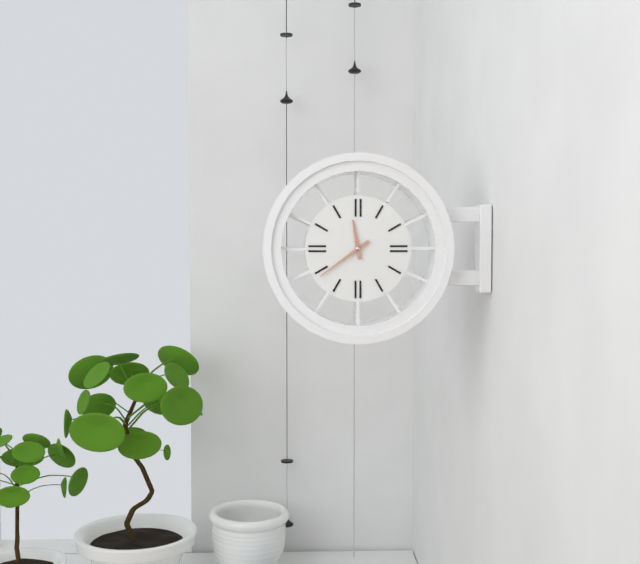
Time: **11:39**
